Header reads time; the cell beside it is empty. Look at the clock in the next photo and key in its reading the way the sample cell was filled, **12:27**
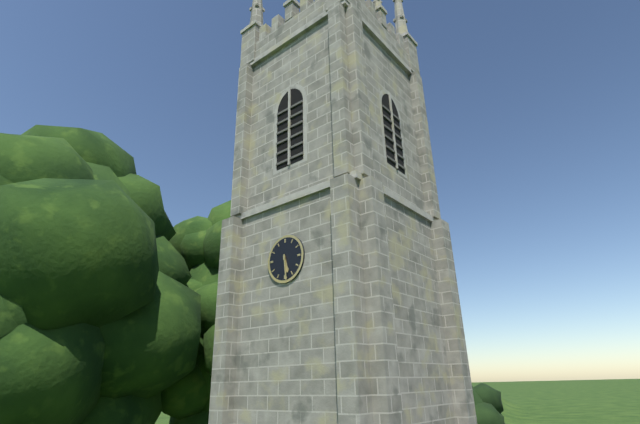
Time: **5:29**
